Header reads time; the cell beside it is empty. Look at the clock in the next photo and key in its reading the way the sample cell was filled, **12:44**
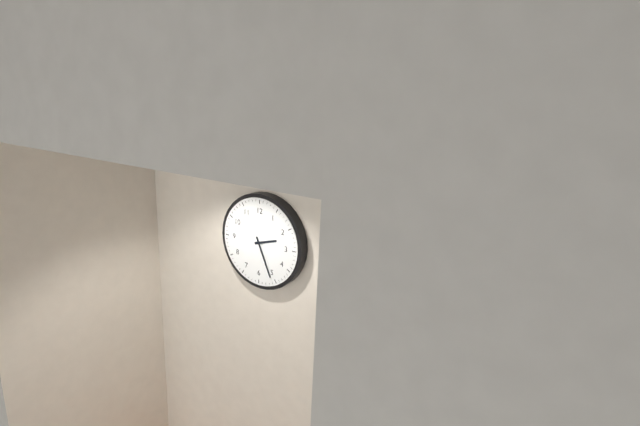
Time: **2:26**
